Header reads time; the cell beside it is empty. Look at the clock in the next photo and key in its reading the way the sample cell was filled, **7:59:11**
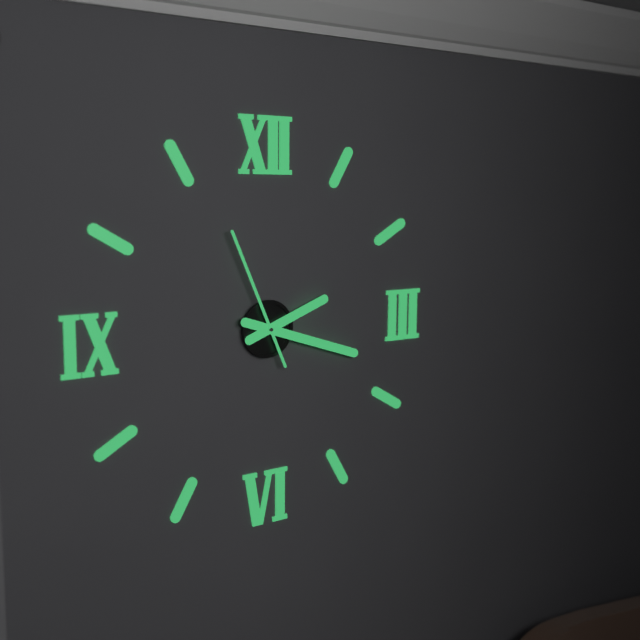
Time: **2:18:56**
